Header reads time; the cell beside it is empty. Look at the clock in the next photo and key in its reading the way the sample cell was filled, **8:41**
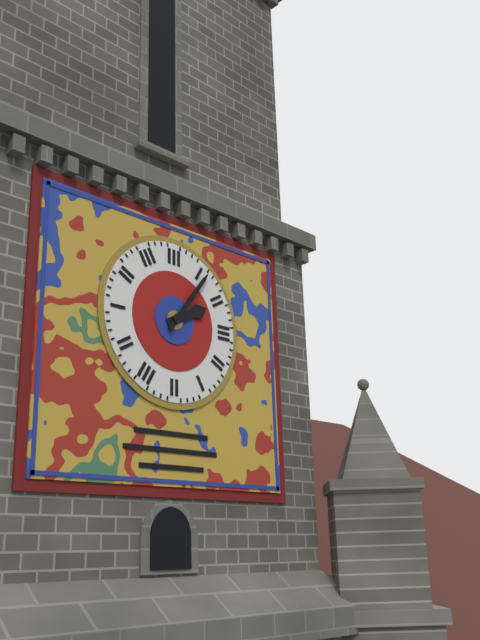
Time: **2:06**
